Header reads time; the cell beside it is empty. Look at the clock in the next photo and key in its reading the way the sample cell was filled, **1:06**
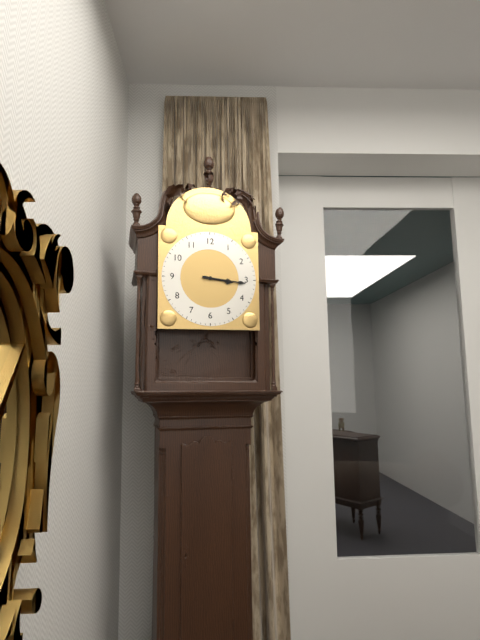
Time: **3:16**
